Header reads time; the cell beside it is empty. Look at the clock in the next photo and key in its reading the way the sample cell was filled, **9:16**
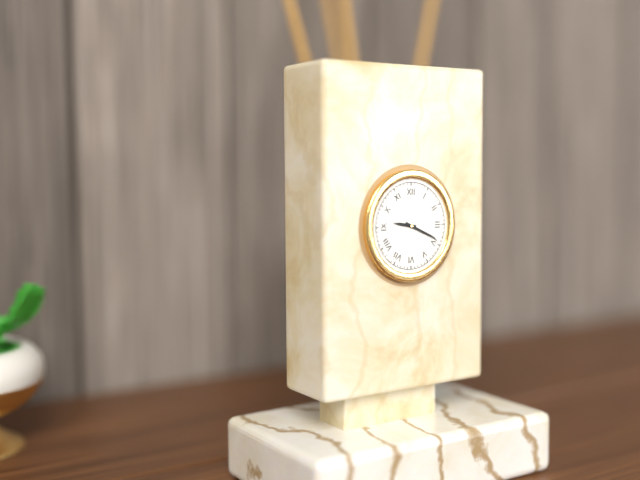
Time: **9:19**
